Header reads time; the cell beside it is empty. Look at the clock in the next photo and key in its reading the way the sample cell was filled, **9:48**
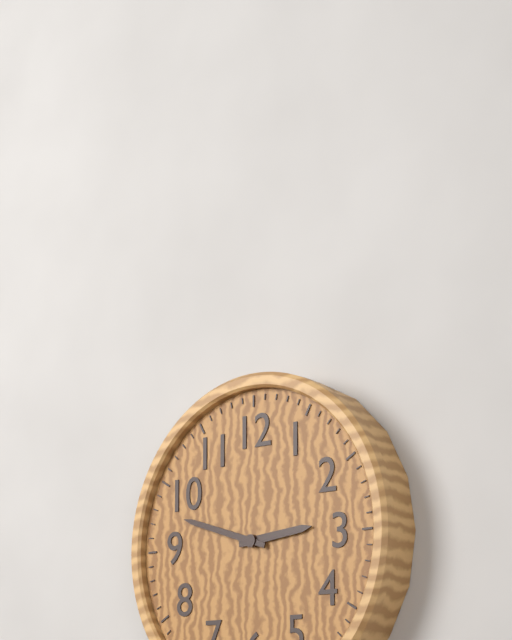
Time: **2:48**
